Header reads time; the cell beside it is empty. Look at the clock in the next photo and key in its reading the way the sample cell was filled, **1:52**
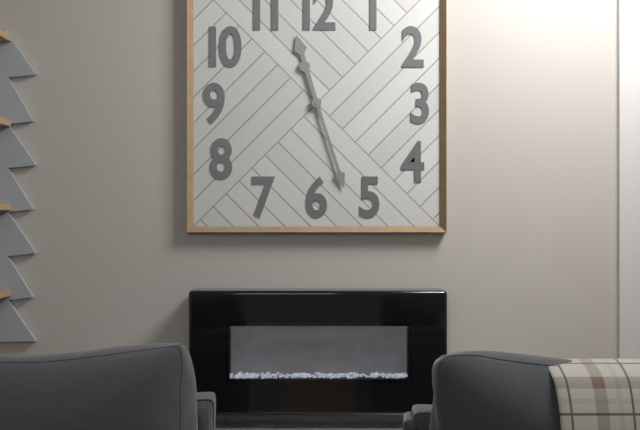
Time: **11:27**
